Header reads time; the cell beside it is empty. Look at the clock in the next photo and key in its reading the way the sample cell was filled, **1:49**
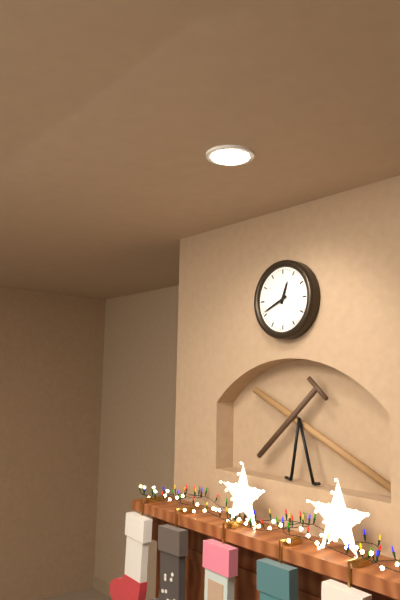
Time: **12:41**
